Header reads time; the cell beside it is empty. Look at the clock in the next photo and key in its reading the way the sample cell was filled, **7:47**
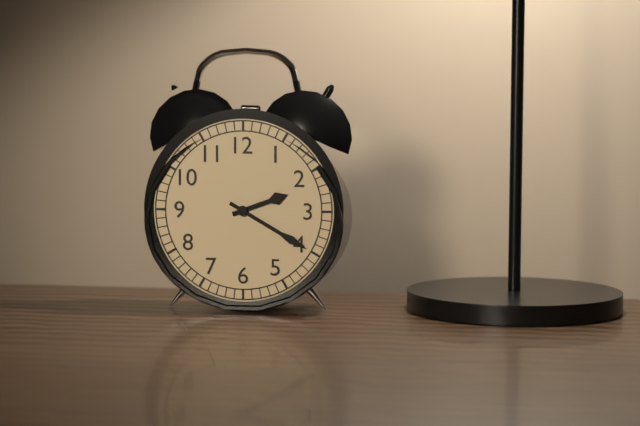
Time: **2:20**
